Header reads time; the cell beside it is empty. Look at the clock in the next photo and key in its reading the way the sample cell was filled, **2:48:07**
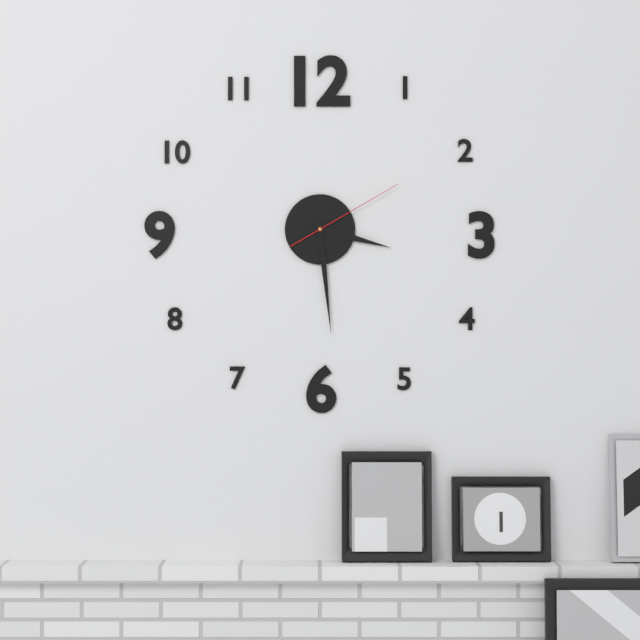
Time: **3:29:10**
